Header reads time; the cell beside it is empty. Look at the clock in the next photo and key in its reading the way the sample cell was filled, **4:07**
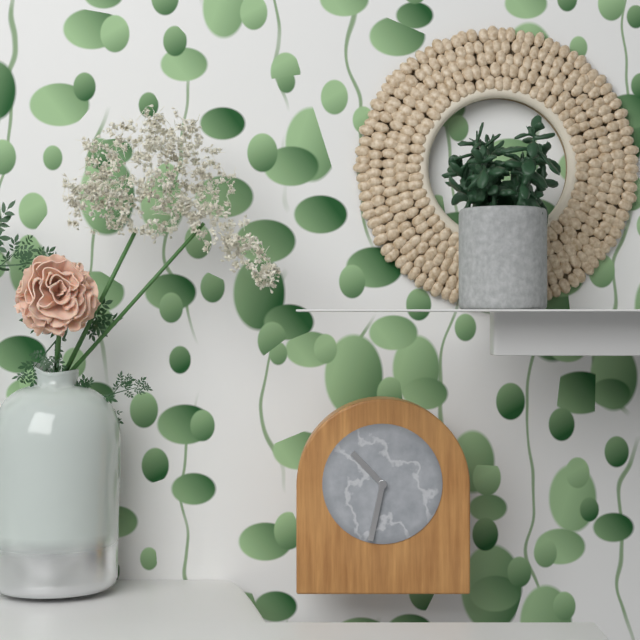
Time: **10:32**
